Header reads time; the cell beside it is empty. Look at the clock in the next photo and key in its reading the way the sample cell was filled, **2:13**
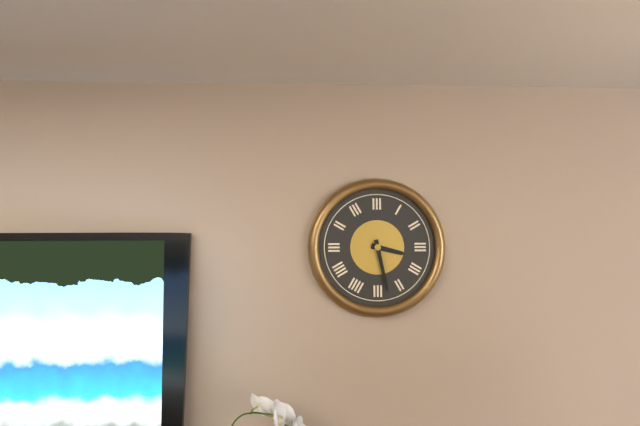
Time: **3:28**
